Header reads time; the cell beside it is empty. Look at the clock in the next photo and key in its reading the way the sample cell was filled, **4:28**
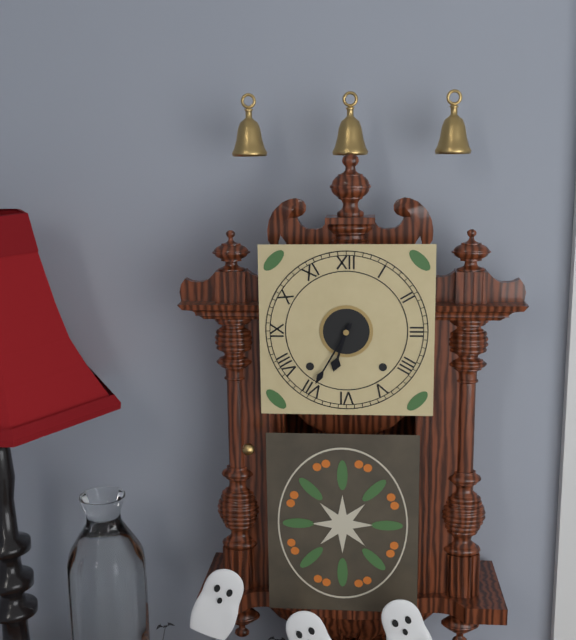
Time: **6:35**
